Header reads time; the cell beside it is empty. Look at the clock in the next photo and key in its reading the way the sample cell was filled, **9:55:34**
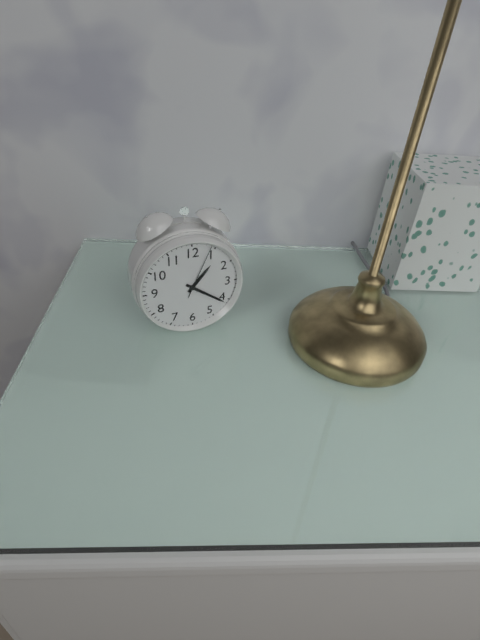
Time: **1:21:04**
